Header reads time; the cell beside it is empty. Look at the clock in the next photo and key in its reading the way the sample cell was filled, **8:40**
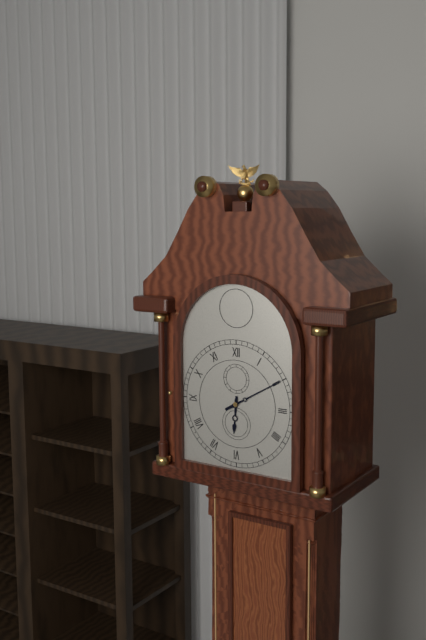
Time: **6:10**
